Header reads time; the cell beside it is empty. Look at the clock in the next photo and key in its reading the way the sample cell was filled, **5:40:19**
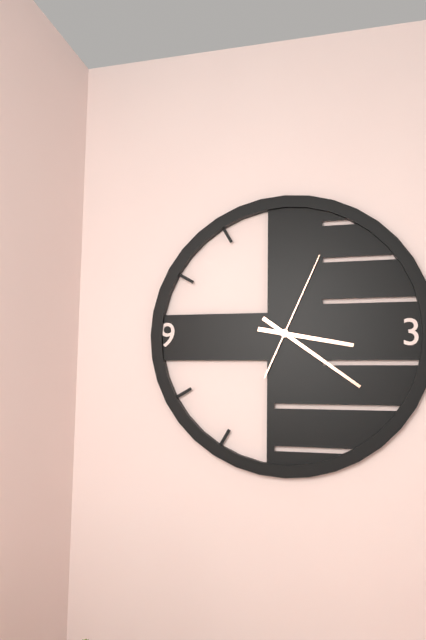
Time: **3:21:04**
